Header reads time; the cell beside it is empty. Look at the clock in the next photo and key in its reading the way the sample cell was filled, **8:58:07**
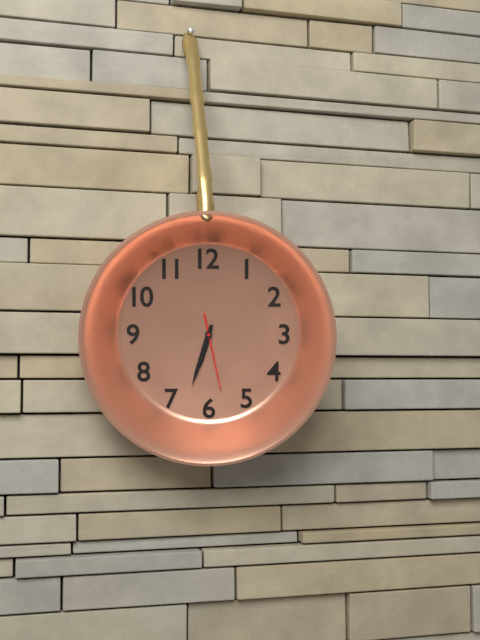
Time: **6:33:28**
